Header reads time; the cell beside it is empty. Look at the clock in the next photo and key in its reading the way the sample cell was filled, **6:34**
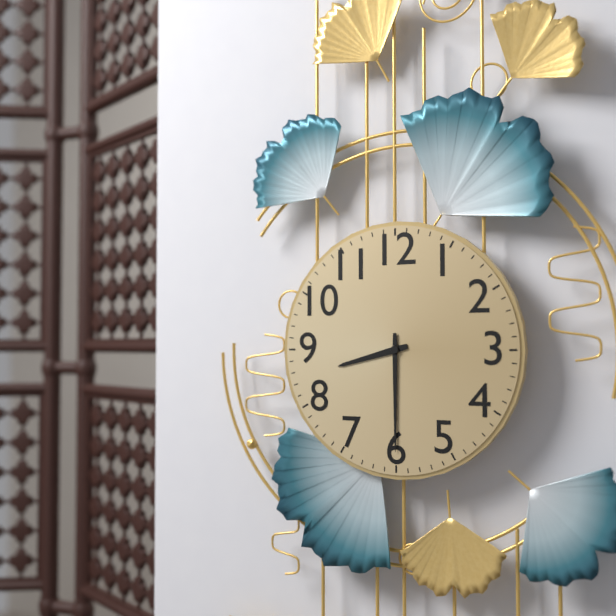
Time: **8:30**
